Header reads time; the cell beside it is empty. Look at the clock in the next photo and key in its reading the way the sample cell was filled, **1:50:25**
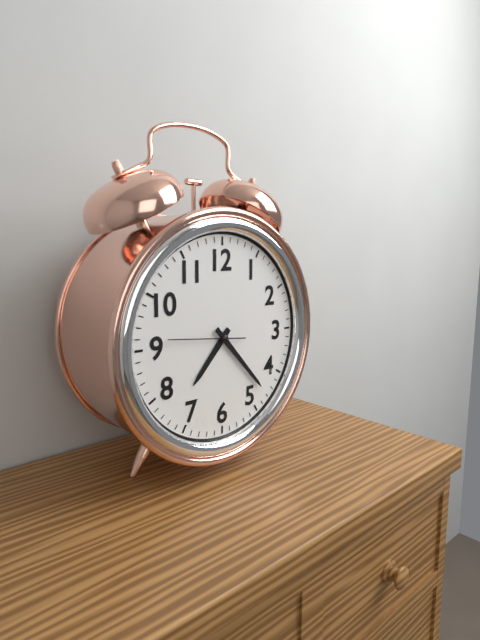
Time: **7:23:46**
